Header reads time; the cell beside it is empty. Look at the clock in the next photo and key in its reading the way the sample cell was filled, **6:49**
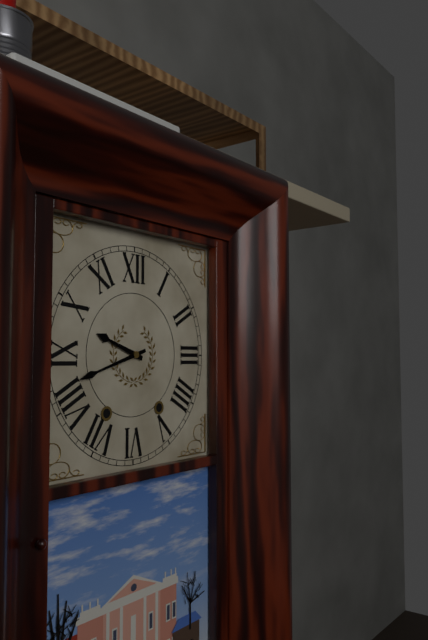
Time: **9:42**
